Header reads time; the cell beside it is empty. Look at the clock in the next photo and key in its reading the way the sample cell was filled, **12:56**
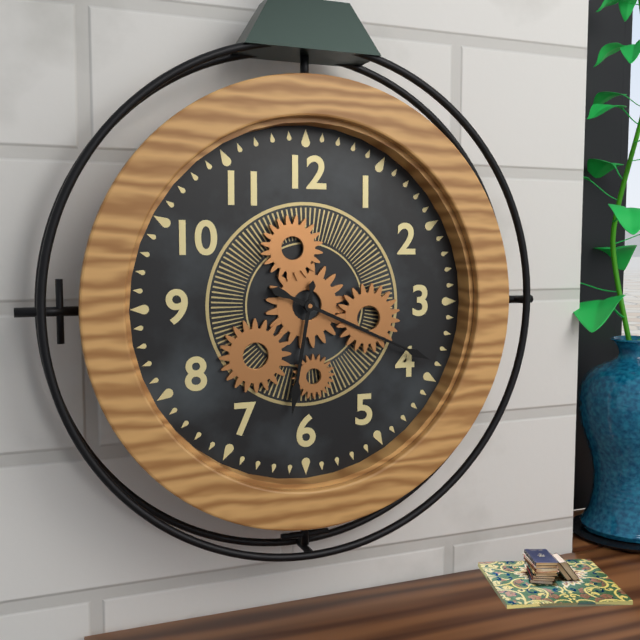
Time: **6:19**
